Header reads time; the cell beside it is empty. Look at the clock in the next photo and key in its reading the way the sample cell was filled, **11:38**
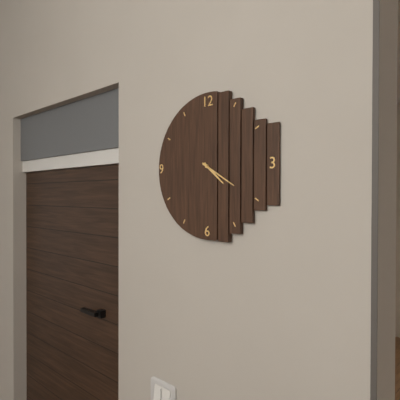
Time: **4:20**
